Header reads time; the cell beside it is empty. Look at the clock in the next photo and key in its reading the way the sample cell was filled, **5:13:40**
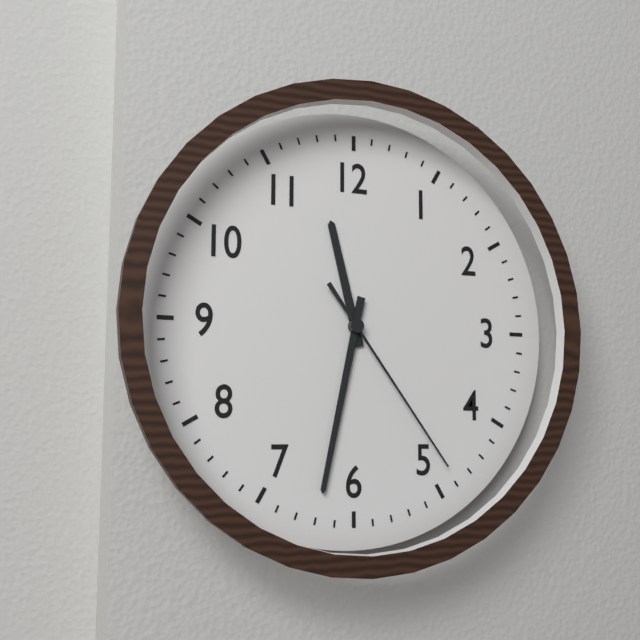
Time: **11:32:24**
